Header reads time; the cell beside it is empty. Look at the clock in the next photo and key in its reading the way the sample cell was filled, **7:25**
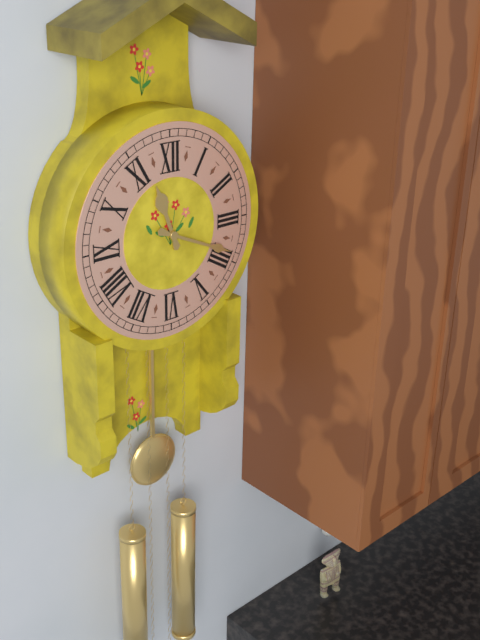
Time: **11:19**
